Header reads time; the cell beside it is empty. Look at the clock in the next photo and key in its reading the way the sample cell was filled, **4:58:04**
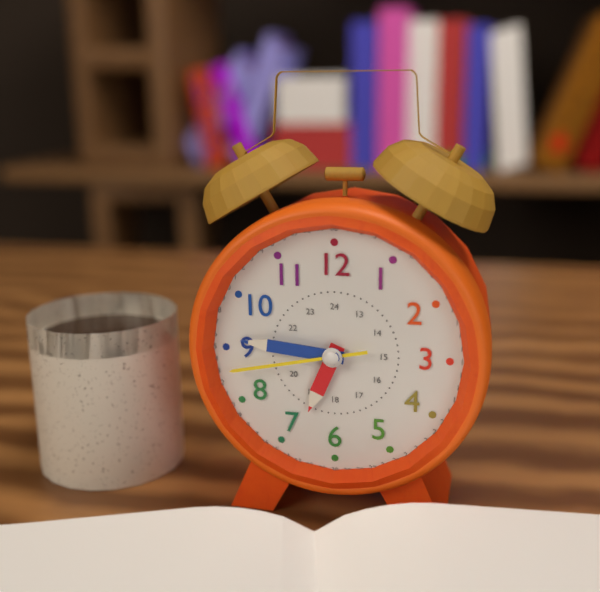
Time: **6:46:43**
